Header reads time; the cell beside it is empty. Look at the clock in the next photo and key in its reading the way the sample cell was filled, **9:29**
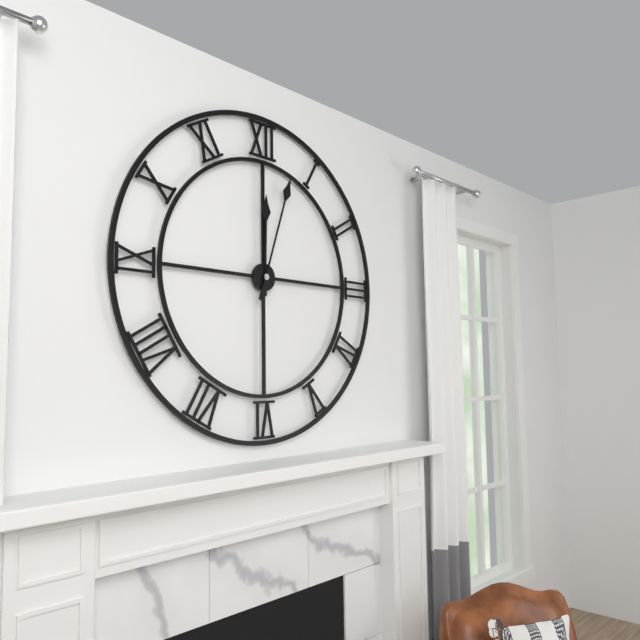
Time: **12:03**
